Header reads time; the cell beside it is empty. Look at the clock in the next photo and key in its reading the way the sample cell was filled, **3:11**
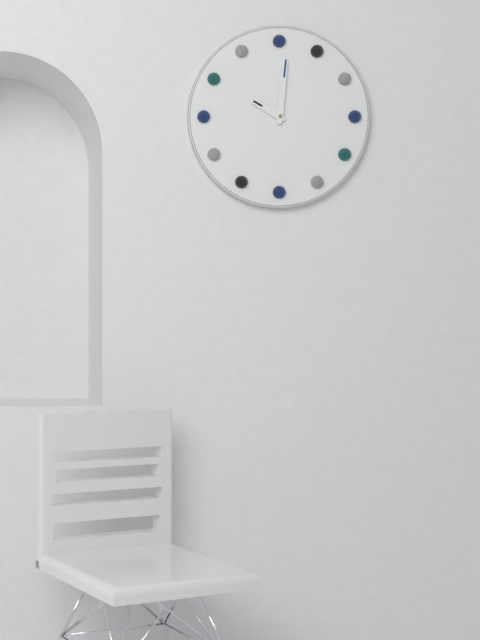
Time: **10:01**
